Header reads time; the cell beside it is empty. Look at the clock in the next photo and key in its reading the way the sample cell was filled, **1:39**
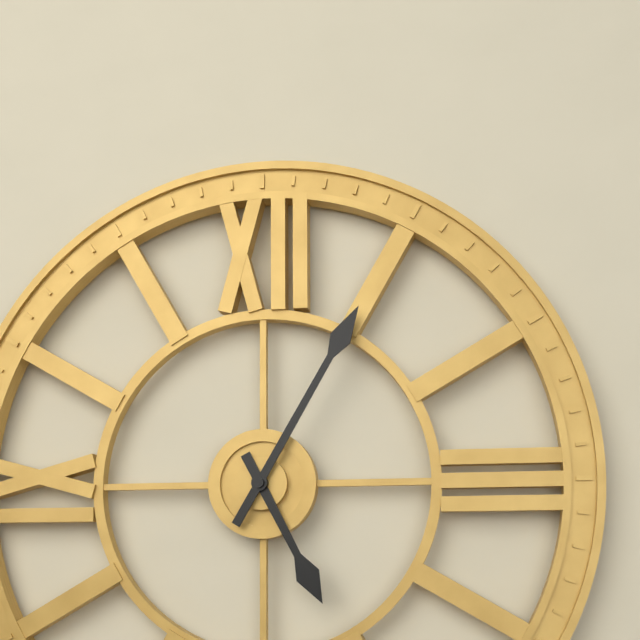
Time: **5:05**
